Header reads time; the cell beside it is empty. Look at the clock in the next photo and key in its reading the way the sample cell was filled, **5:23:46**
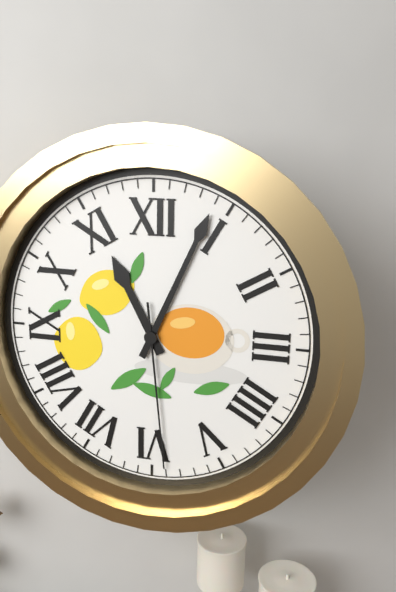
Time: **11:04:29**
